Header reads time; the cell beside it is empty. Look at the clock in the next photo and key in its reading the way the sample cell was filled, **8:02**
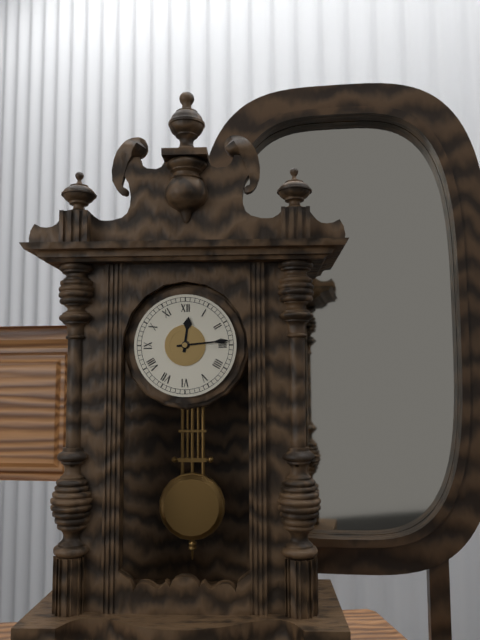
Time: **12:14**
